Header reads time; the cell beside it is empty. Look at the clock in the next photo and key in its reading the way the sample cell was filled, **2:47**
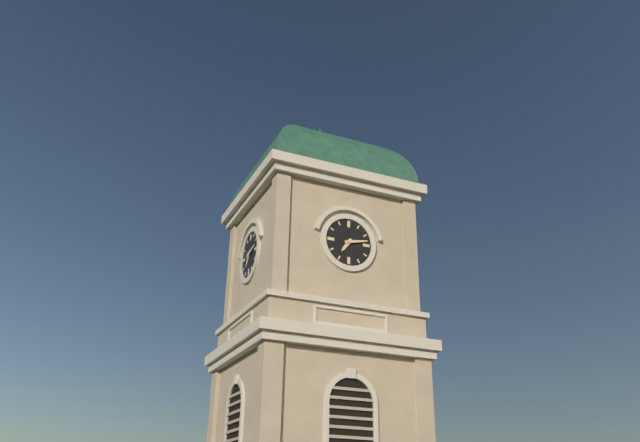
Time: **7:13**
